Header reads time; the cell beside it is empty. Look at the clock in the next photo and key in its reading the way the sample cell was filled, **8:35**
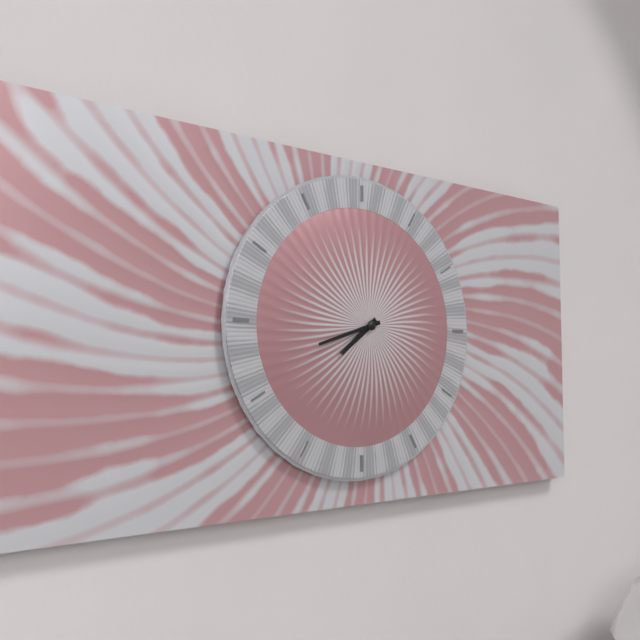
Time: **7:42**
